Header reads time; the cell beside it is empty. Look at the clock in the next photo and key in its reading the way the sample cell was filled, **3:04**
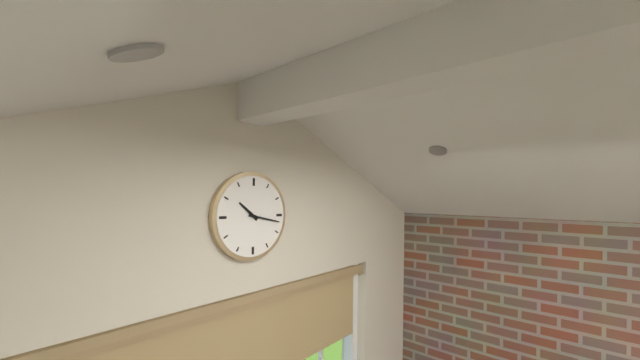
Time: **10:17**
